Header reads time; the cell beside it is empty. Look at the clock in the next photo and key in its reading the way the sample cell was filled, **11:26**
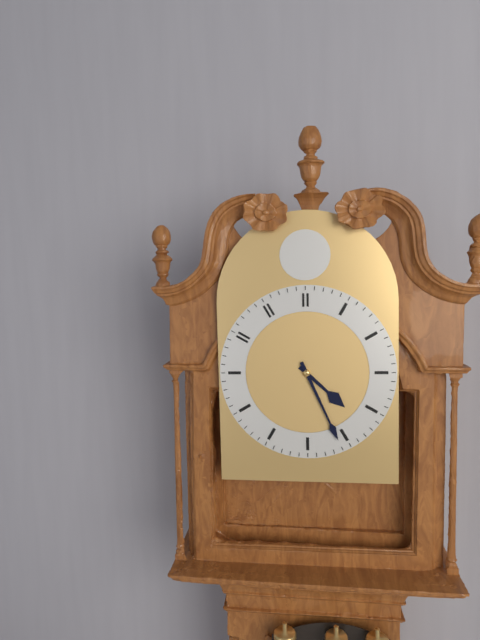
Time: **4:26**
